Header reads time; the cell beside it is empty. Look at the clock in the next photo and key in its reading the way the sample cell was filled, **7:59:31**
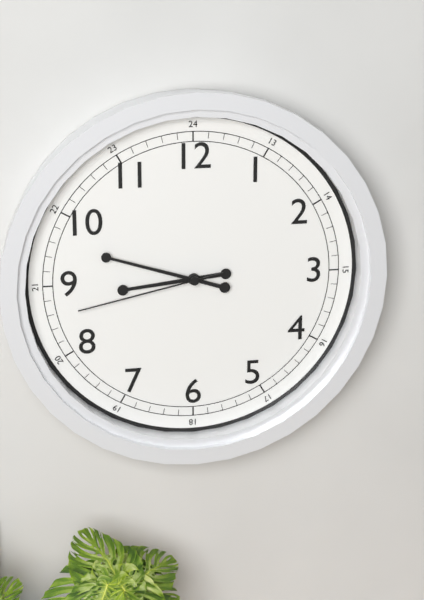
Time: **8:48:43**
